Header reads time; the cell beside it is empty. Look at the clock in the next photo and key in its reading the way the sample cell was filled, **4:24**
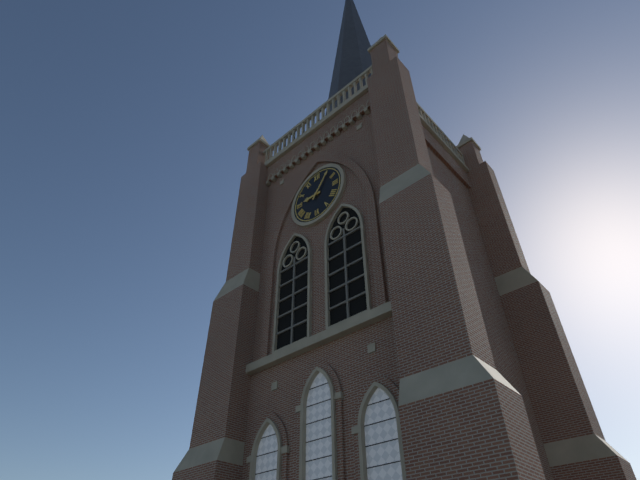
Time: **9:06**
